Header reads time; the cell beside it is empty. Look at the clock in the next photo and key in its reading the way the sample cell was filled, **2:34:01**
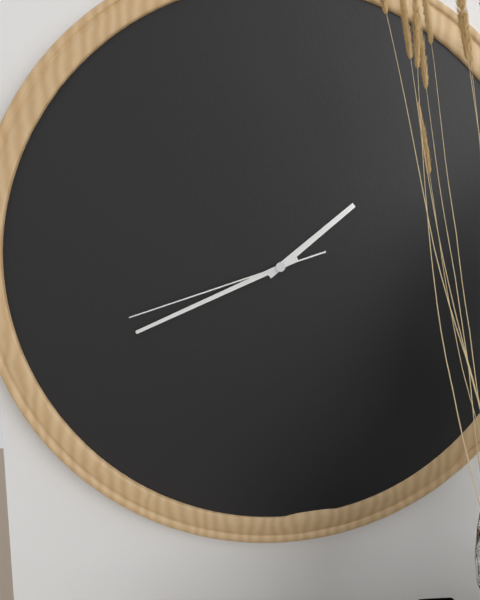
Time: **1:41:42**
